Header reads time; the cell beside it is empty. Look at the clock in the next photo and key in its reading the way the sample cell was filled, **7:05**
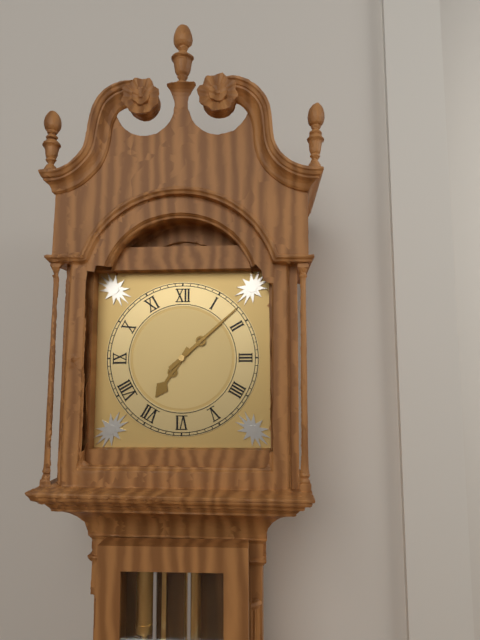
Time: **7:08**
